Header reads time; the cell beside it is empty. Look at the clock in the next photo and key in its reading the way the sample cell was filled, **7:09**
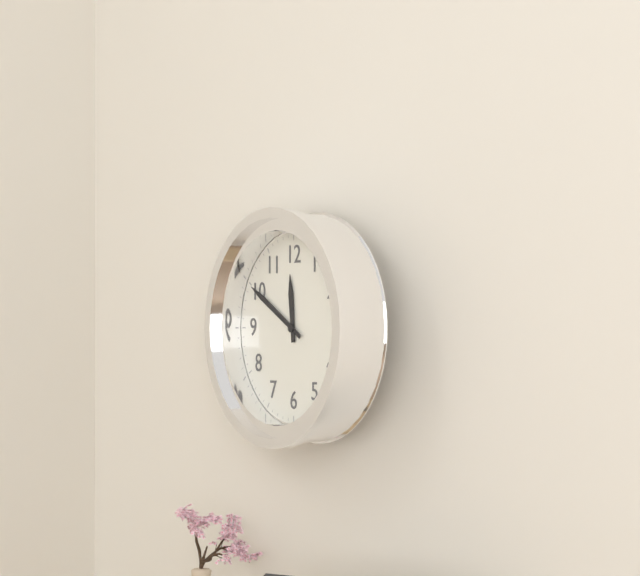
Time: **11:50**
